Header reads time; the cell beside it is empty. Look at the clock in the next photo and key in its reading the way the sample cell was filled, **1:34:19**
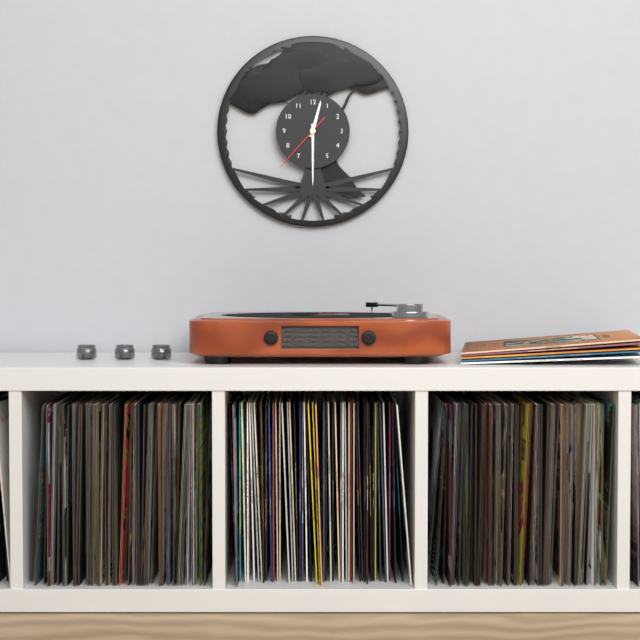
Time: **12:30:37**
